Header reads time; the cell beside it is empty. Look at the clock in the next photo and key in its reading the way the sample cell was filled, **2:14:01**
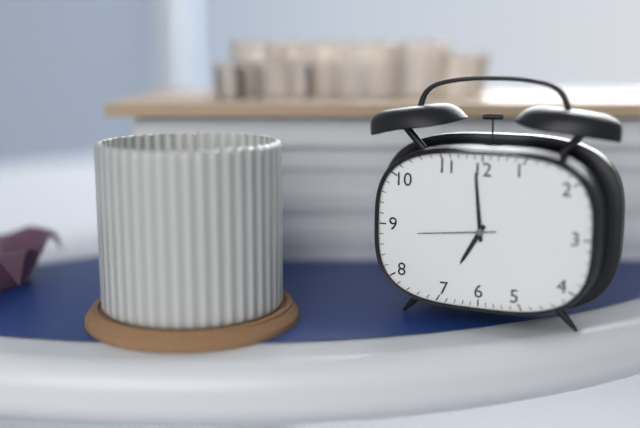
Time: **6:59:44**
